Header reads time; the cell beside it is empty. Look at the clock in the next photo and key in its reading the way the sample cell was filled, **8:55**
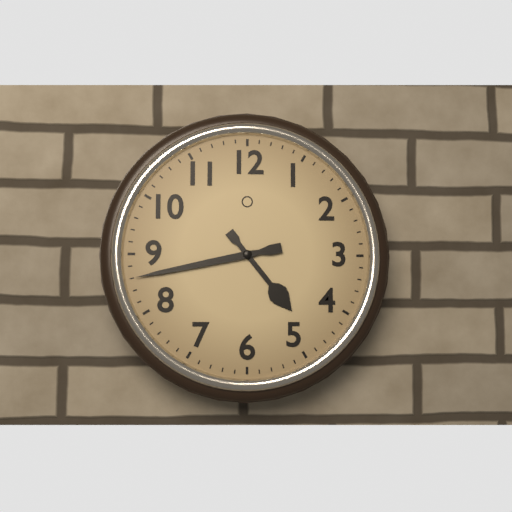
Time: **4:43**
